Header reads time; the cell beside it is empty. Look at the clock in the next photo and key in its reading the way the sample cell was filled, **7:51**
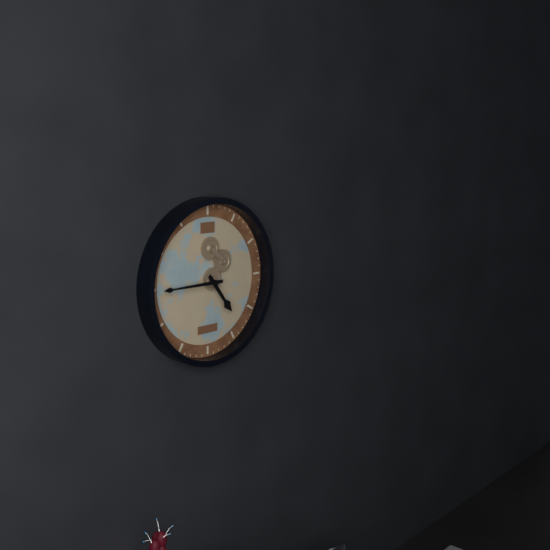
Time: **4:45**
